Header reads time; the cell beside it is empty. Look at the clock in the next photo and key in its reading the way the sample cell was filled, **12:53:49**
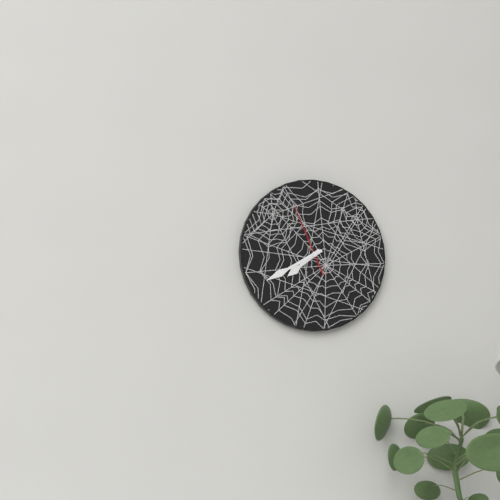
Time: **7:40:56**
